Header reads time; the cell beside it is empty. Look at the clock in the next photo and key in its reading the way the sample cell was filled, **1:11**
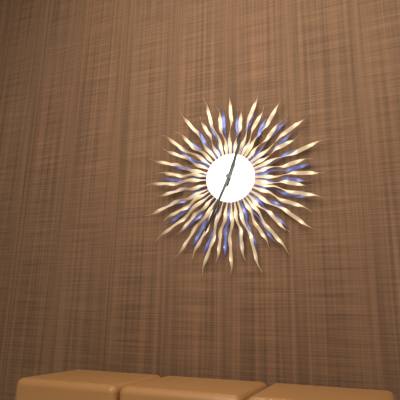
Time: **12:34**
